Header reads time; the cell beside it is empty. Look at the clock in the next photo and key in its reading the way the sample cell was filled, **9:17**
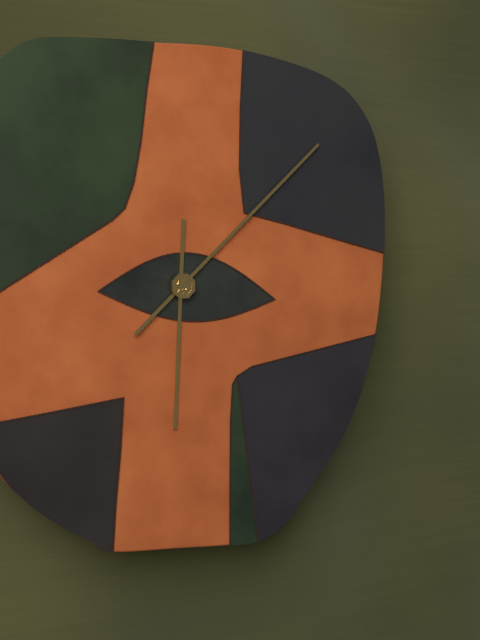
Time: **6:08**
